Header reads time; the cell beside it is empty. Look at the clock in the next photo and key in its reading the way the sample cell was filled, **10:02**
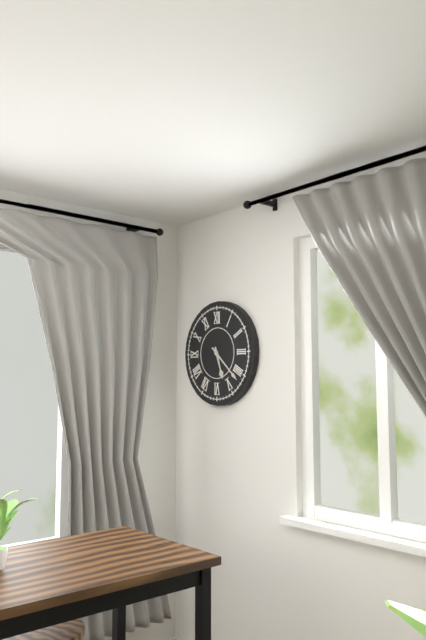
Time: **5:22**
